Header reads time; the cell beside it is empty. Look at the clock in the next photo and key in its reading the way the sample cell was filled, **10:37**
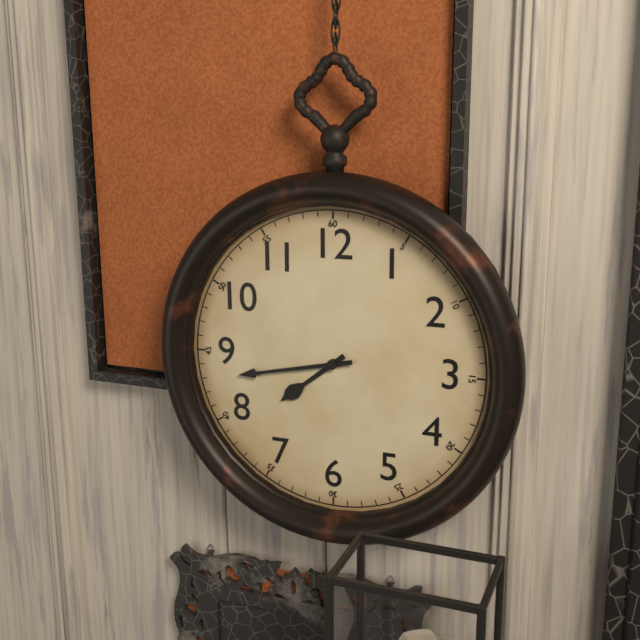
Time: **7:43**
